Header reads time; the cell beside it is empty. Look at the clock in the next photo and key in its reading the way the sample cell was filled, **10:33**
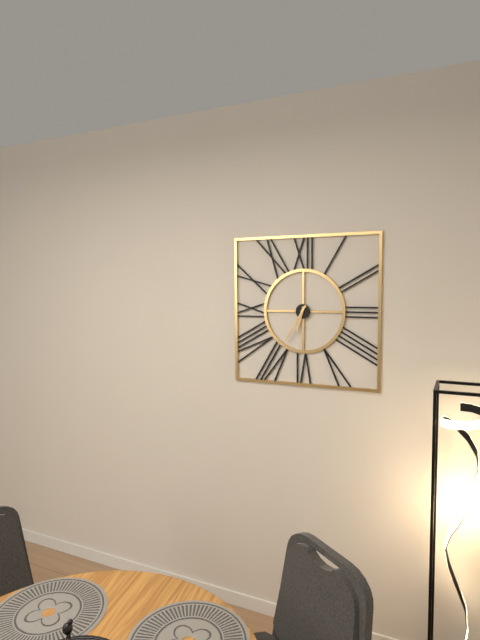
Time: **6:35**
